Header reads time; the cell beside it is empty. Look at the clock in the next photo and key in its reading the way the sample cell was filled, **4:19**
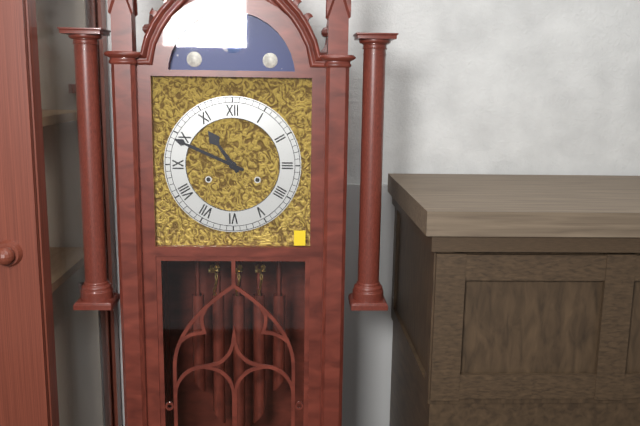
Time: **10:49**
